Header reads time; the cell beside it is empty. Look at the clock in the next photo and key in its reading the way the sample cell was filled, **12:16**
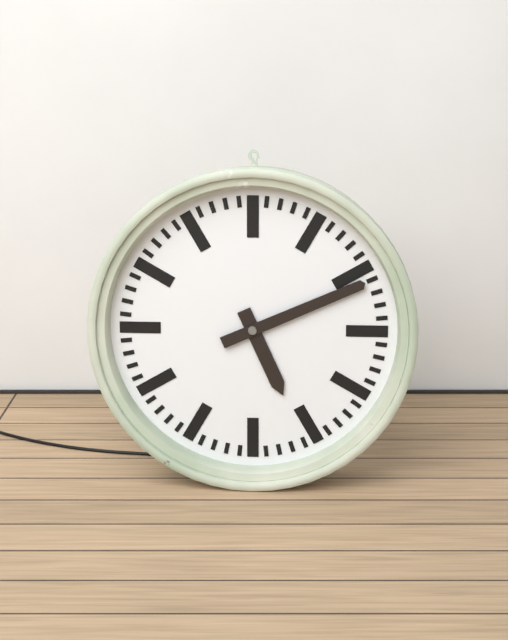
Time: **5:11**
